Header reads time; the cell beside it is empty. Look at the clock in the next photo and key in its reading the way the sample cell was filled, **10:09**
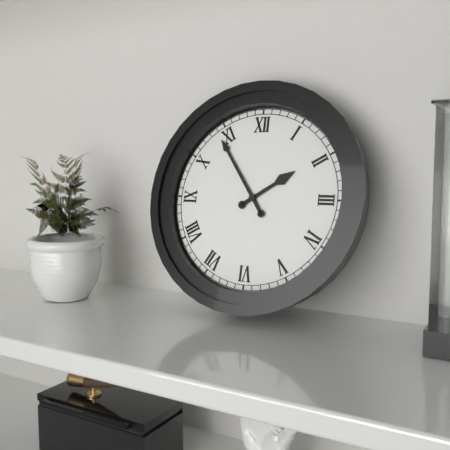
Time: **1:54**
